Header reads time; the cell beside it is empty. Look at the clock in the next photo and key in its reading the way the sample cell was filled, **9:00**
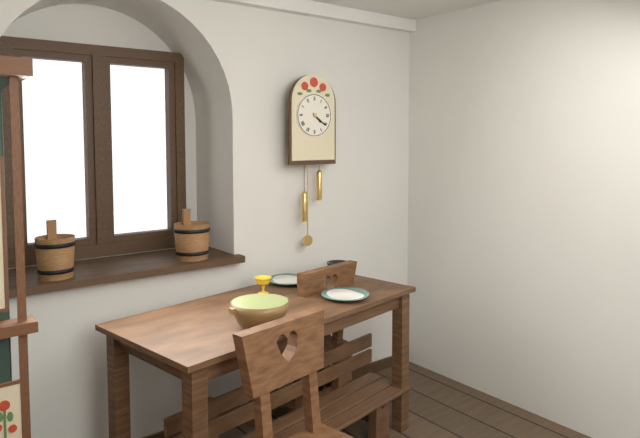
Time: **4:21**
